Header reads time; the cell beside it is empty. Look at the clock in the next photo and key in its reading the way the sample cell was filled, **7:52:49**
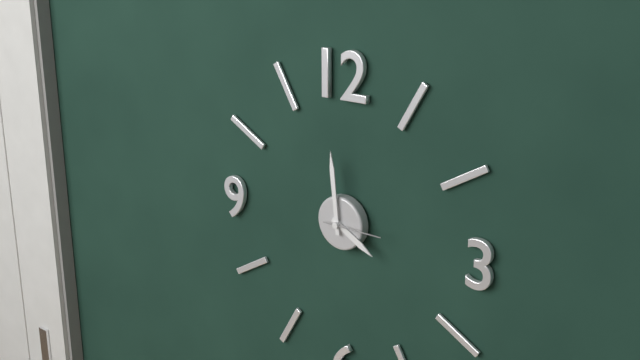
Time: **3:59:15**
